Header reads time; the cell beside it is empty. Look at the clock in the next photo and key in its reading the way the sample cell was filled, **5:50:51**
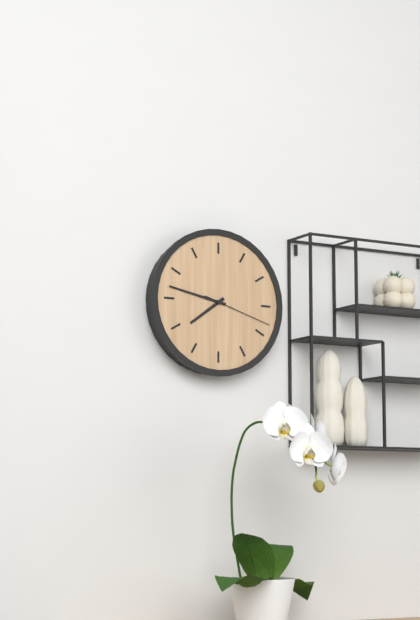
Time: **7:47:18**
